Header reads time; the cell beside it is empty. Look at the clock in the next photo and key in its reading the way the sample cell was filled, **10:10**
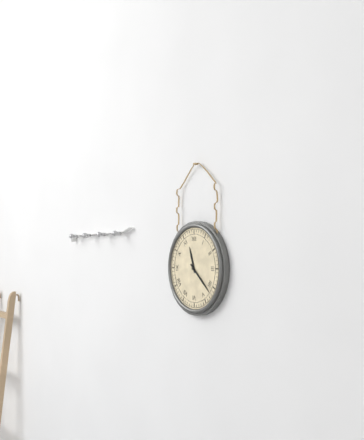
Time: **11:22**
